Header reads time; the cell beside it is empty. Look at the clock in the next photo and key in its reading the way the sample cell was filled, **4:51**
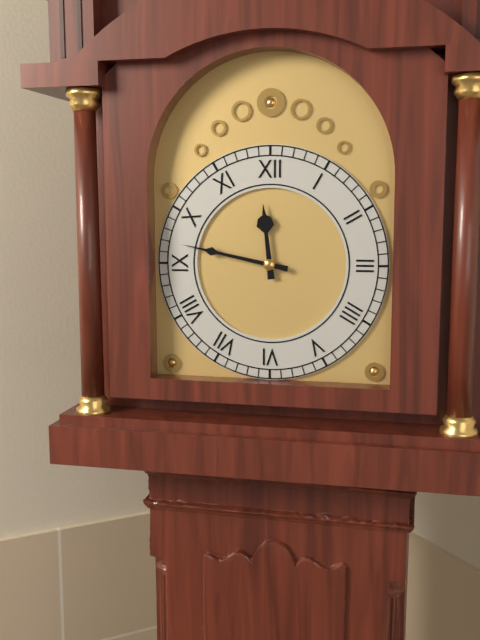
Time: **11:47**
